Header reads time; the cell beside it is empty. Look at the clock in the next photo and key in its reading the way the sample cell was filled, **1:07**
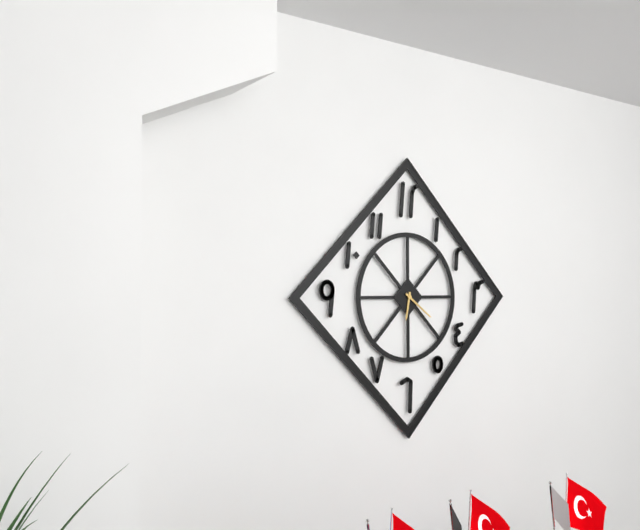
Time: **6:21**
